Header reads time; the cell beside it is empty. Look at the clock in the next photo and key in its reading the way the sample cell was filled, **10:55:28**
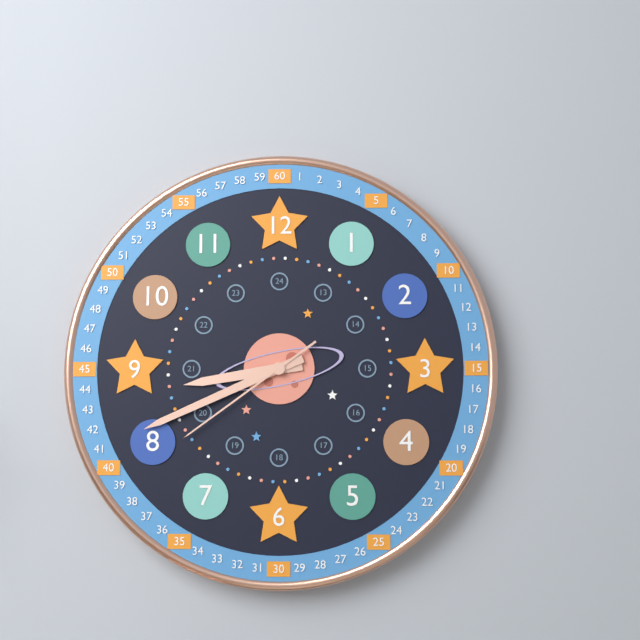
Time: **8:41:39**
